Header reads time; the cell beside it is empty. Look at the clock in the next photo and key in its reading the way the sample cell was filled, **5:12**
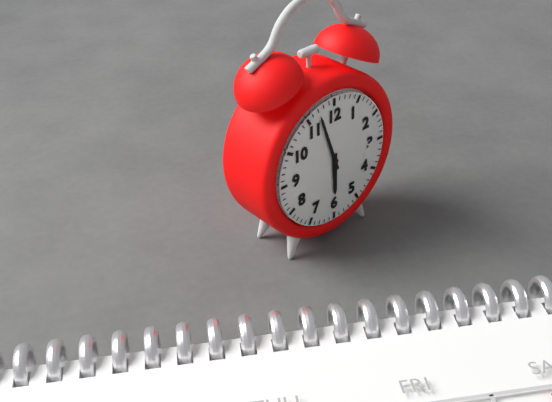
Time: **5:57**
